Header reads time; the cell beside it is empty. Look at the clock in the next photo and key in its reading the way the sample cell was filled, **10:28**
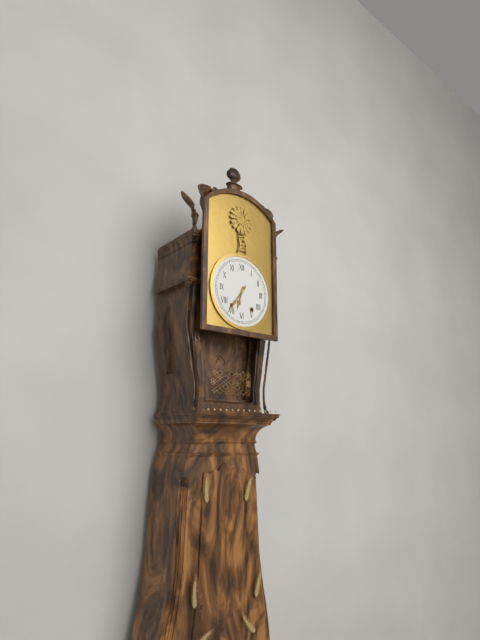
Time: **6:36**
